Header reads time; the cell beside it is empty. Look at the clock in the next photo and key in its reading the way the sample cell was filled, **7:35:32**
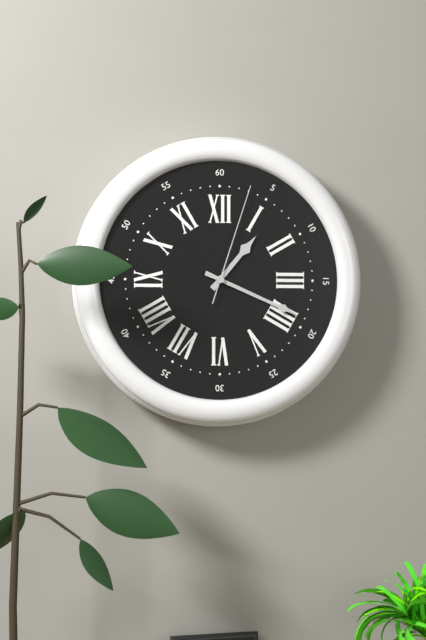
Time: **1:19:03**
